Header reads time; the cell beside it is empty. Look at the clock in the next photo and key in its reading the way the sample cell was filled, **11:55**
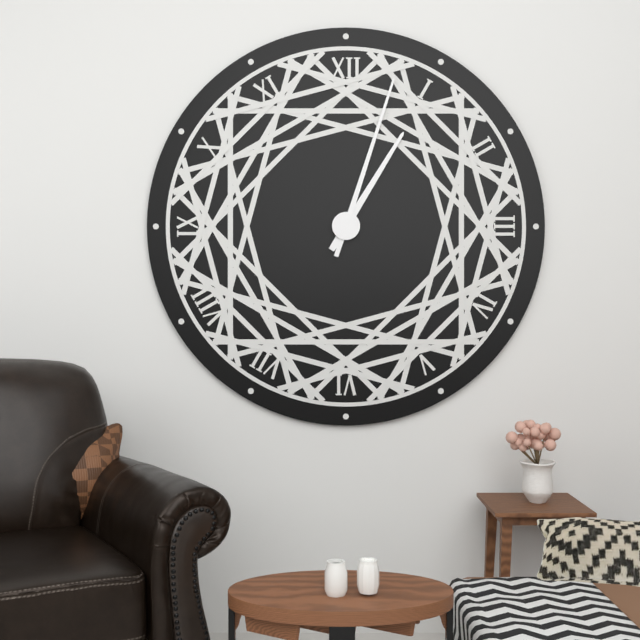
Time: **1:03**
